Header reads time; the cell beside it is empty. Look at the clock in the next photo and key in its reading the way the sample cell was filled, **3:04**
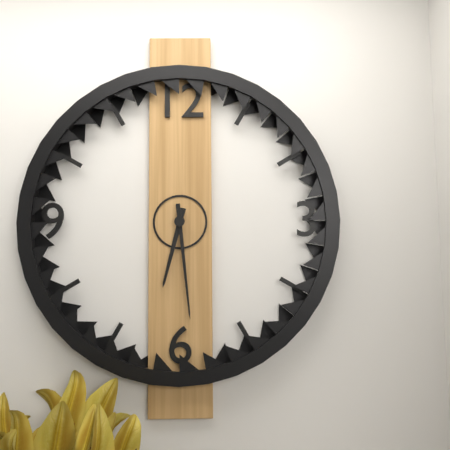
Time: **6:29**
